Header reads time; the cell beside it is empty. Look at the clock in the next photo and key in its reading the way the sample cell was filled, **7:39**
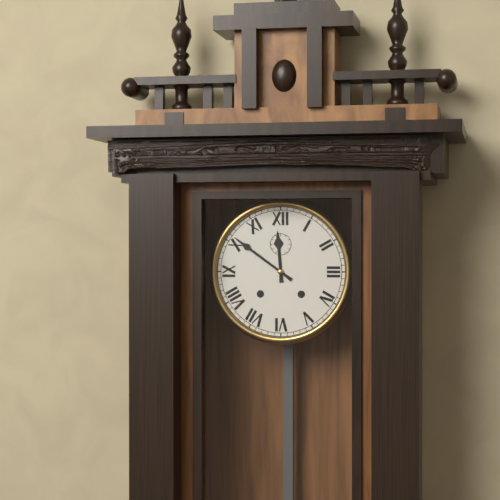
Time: **11:51**
